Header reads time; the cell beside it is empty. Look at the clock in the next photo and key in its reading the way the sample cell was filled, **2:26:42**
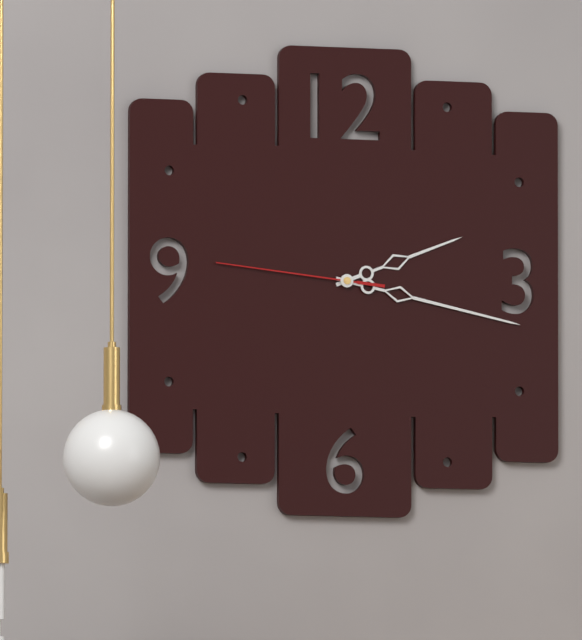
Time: **2:17:46**
